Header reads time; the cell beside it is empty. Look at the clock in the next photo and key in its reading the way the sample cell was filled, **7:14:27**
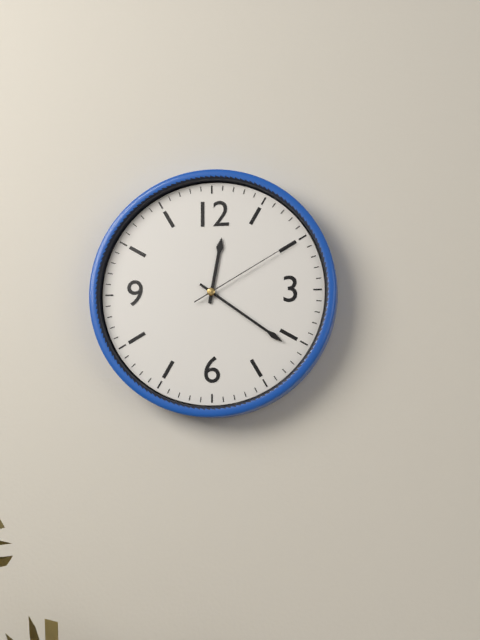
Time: **12:21:10**
